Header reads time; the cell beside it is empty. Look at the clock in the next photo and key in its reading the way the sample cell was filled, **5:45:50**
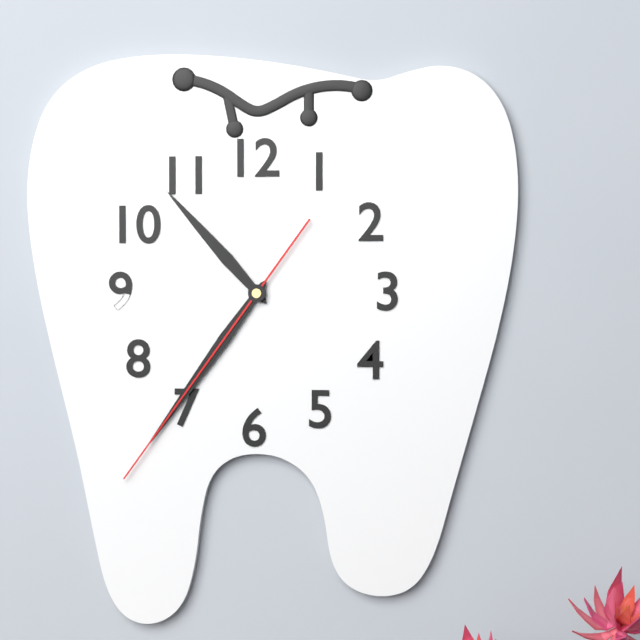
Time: **10:36:36**
